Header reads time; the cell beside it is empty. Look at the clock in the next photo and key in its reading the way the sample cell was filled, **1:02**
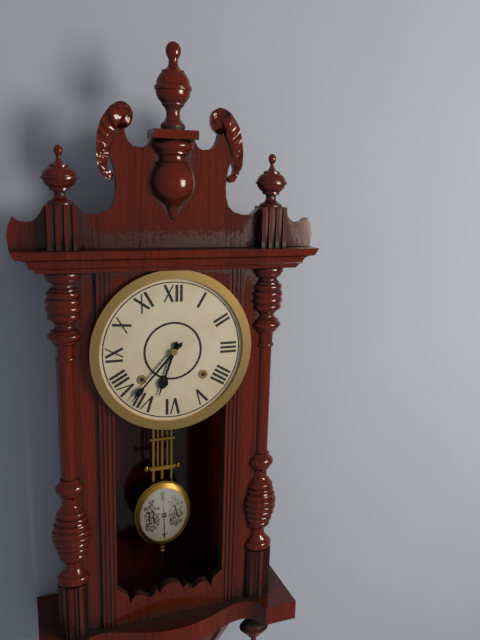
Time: **6:37**
